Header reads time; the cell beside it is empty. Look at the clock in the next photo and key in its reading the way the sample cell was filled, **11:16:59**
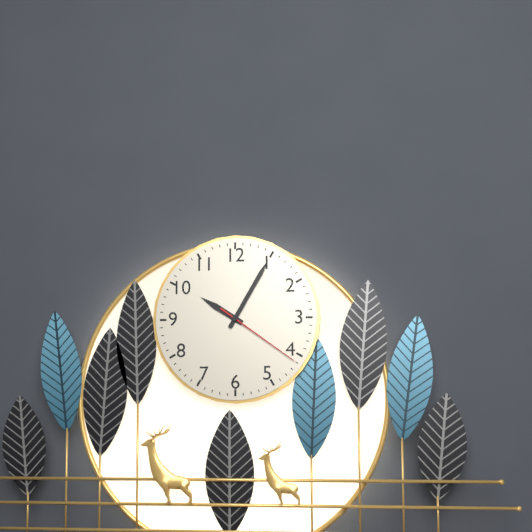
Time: **10:05:21**
